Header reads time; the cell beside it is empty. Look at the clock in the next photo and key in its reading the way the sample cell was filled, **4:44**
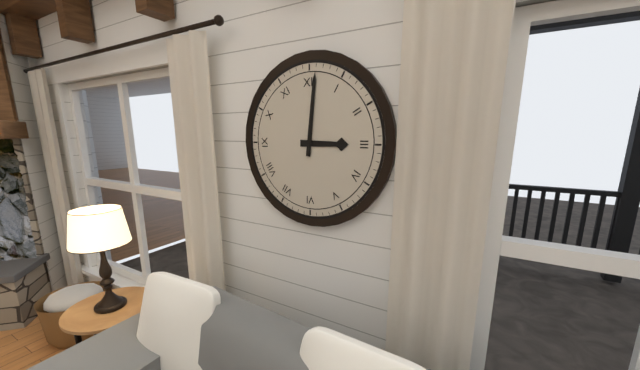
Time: **3:01**
